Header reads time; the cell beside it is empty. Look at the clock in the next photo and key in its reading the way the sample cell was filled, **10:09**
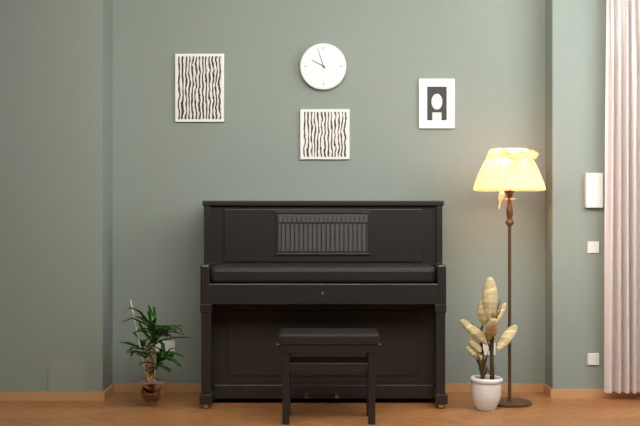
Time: **9:57**
